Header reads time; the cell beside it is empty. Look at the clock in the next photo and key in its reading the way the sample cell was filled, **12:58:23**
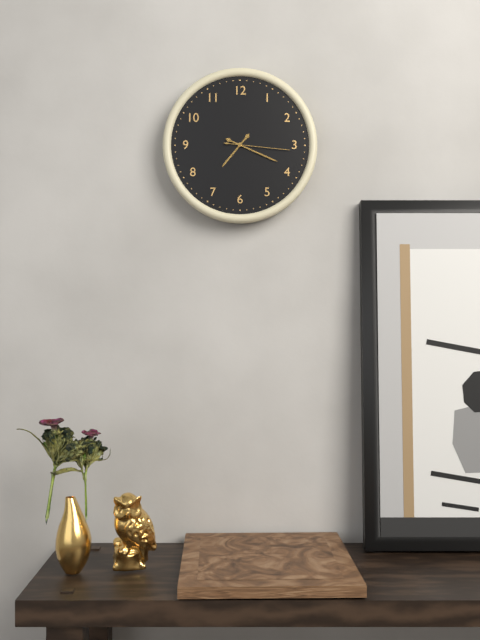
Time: **7:19:16**
